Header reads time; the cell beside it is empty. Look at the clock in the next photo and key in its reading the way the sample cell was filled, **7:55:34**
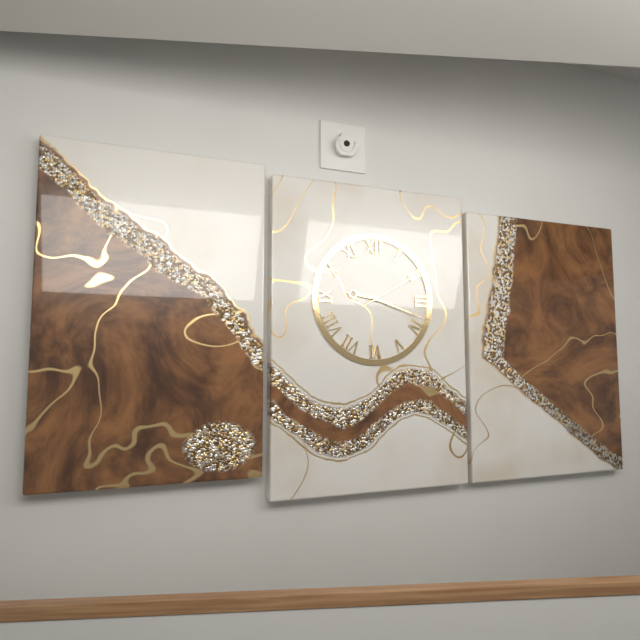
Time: **9:18:10**
